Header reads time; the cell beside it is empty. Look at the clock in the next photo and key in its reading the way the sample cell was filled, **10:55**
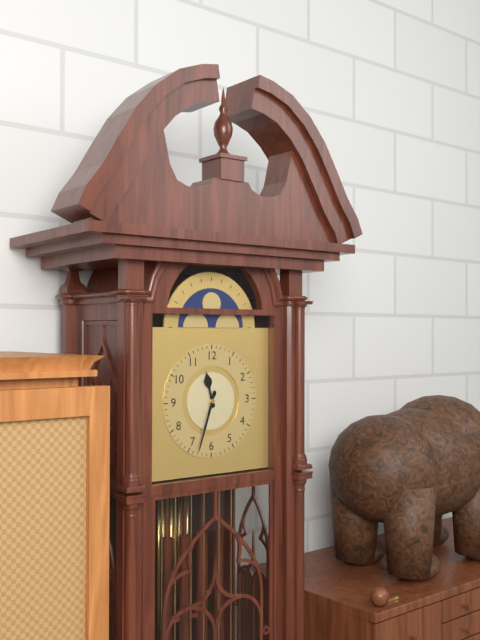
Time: **11:33**
